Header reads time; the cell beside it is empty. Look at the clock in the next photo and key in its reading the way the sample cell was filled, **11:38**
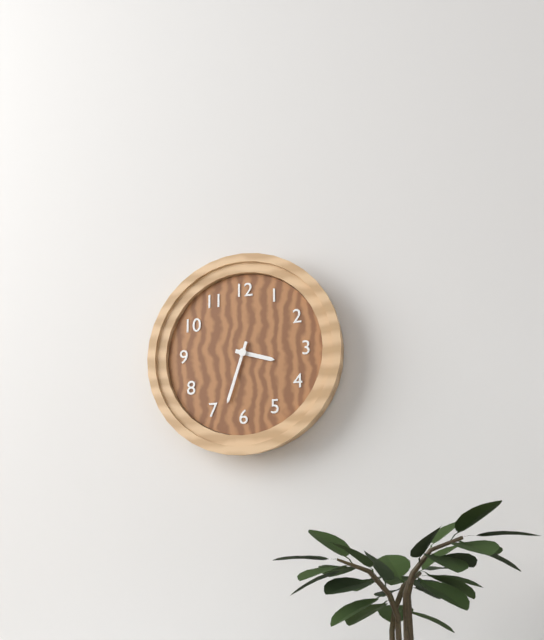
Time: **3:33**
